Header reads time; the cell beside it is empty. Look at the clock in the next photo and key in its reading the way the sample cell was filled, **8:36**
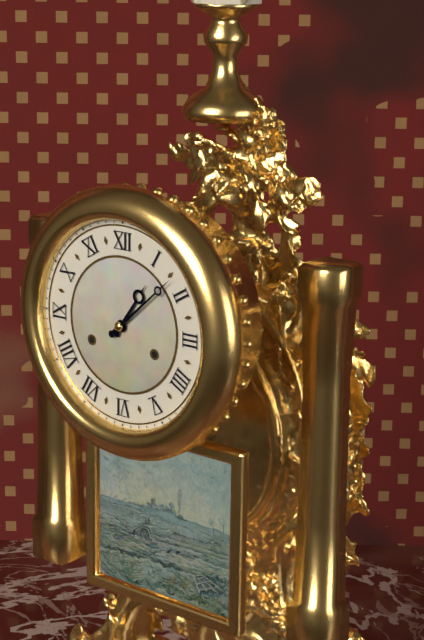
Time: **1:08**
